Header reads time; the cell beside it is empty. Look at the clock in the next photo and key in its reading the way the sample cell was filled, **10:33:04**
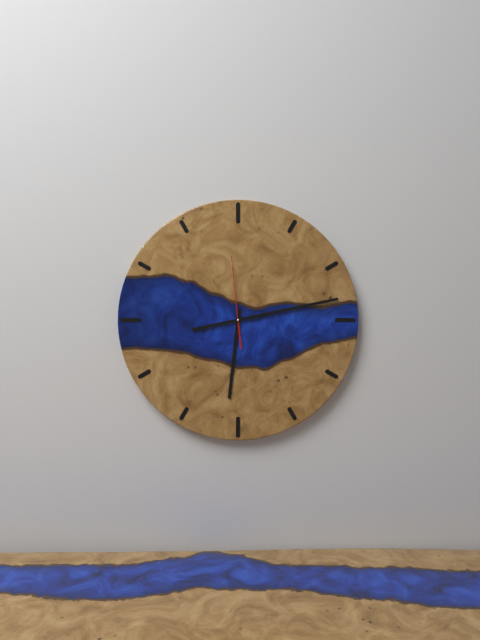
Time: **6:13:59**
